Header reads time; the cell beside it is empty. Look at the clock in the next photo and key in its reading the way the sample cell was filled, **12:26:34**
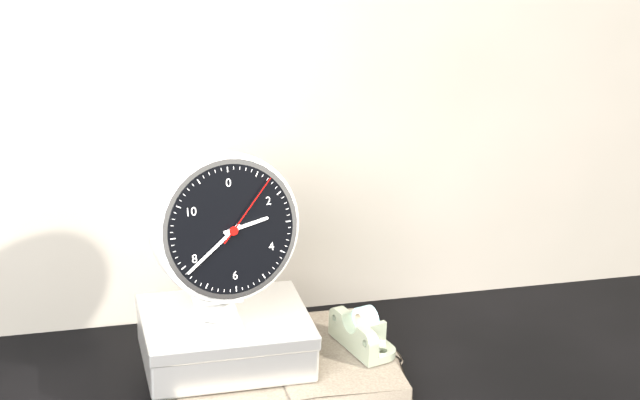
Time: **2:39:07**
